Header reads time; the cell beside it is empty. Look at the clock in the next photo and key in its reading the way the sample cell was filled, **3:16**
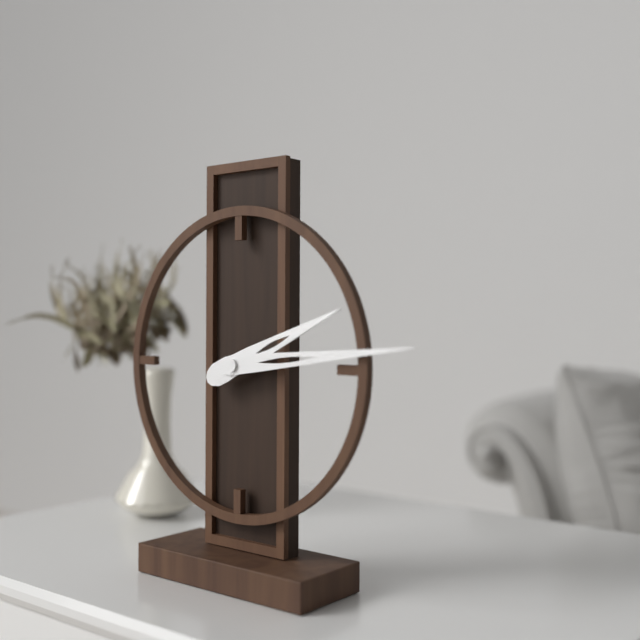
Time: **2:14**
